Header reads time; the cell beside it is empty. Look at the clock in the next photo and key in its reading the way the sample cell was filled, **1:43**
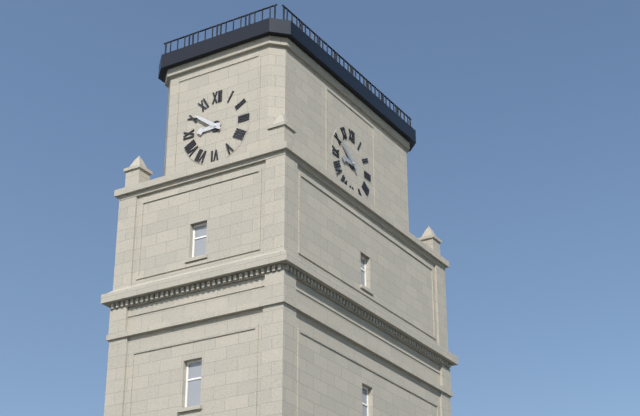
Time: **8:51**
